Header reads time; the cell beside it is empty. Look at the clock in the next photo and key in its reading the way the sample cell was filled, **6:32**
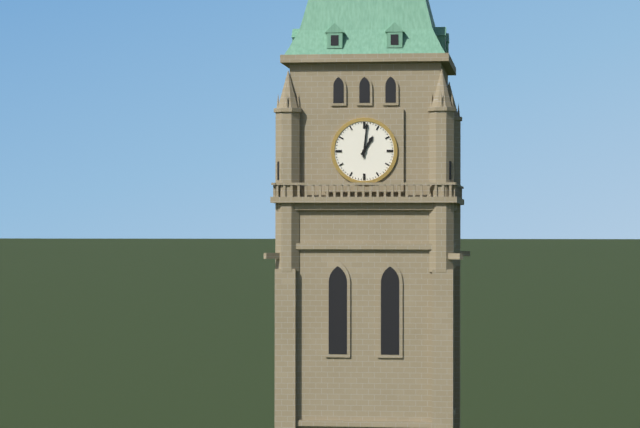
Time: **1:01**
